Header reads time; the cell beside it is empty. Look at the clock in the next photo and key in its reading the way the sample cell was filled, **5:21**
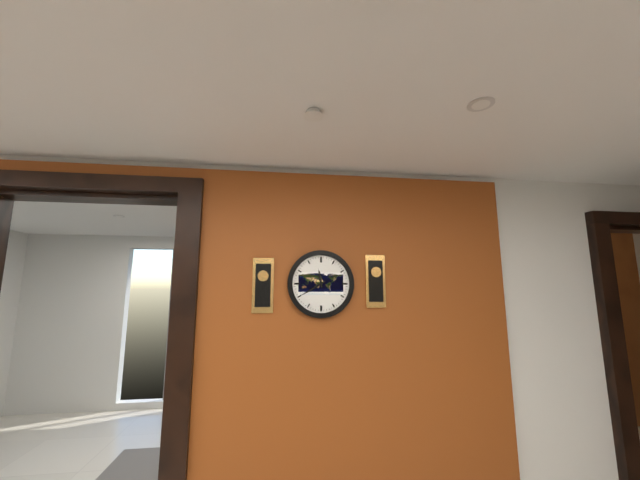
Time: **11:40**
